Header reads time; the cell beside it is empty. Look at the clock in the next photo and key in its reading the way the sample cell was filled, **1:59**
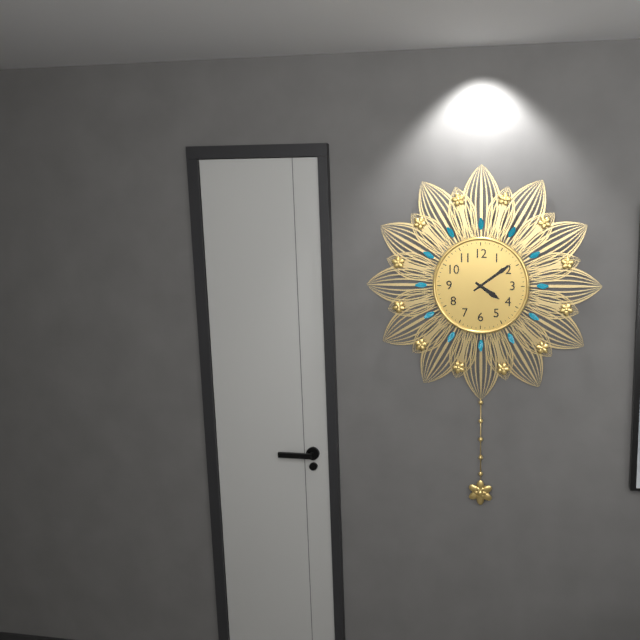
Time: **4:09**
